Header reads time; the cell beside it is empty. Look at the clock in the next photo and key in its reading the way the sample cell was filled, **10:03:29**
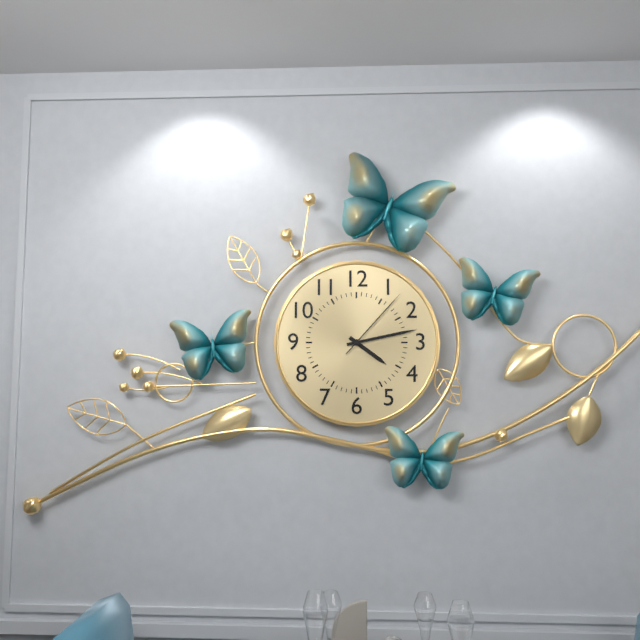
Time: **4:13:07**
